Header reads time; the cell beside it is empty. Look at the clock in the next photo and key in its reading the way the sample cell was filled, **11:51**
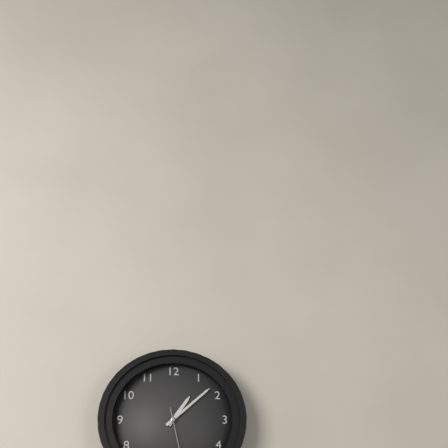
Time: **1:08**
